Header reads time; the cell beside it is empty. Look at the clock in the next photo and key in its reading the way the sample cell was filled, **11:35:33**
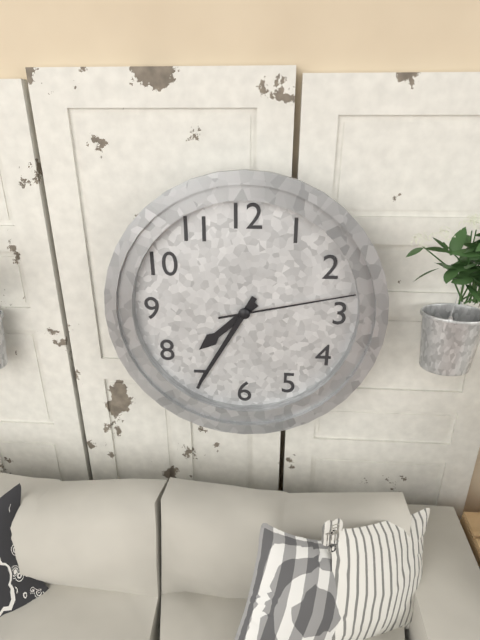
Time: **7:35:13**
